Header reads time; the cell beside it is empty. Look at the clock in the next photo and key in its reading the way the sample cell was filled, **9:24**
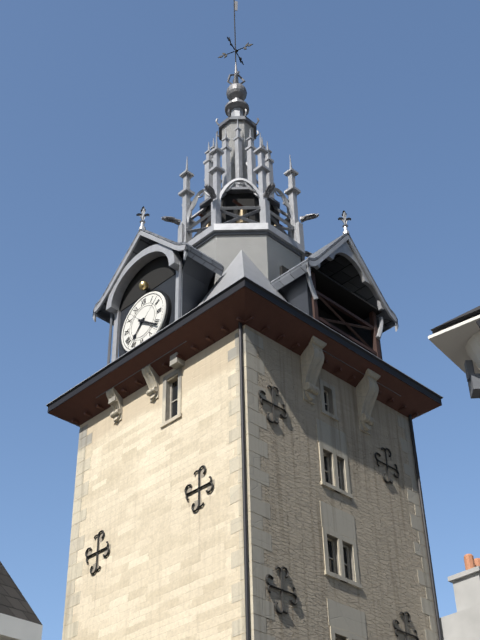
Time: **7:21**
